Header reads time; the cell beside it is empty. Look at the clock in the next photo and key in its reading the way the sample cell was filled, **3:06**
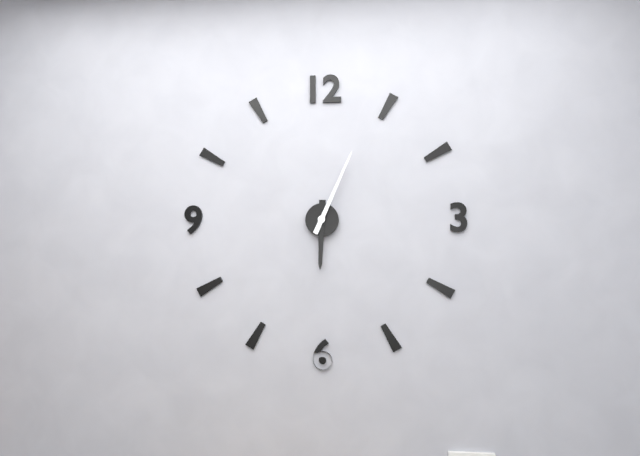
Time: **6:04**
